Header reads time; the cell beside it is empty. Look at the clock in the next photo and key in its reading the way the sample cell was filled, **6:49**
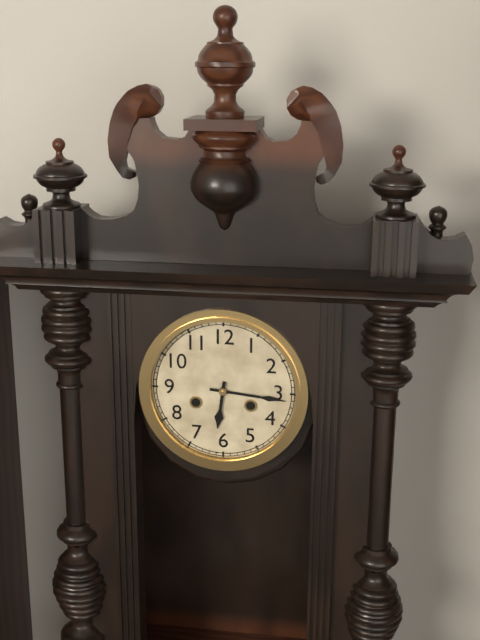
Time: **6:16**
